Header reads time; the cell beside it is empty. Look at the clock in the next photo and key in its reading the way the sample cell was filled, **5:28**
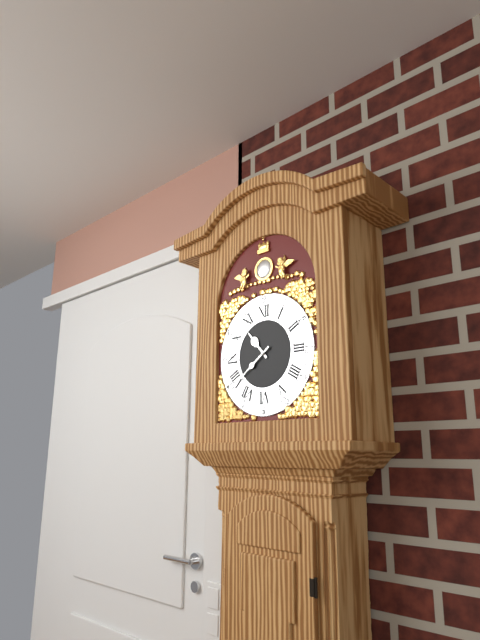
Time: **10:39**
